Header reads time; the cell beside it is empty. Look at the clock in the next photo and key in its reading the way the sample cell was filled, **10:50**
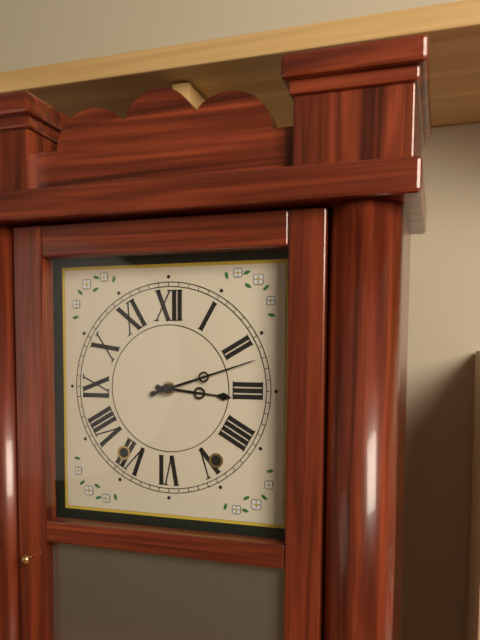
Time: **3:12**
